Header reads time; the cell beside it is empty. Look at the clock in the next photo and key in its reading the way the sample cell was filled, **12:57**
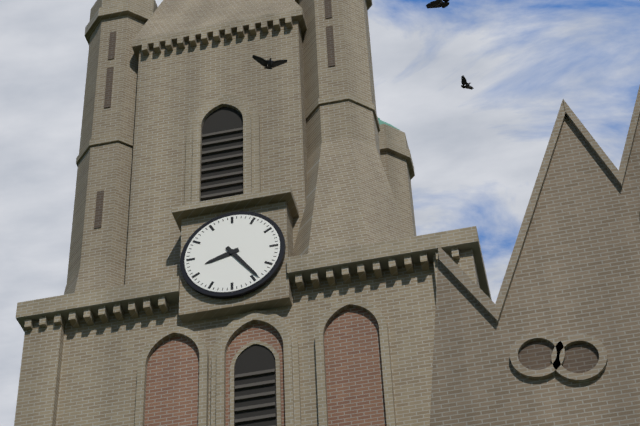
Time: **8:24**
